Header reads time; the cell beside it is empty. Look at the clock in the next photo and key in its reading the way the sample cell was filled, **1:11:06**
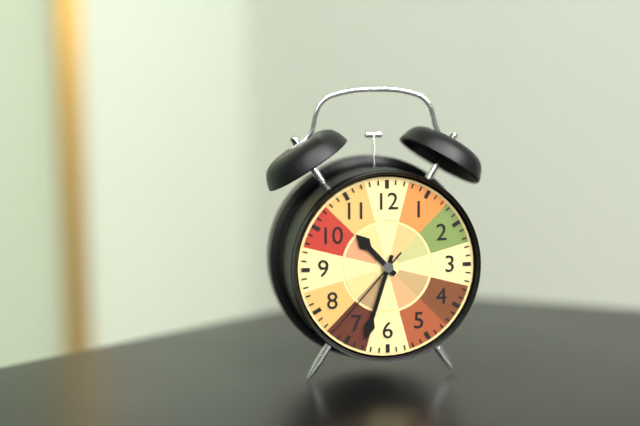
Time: **10:33:37**
